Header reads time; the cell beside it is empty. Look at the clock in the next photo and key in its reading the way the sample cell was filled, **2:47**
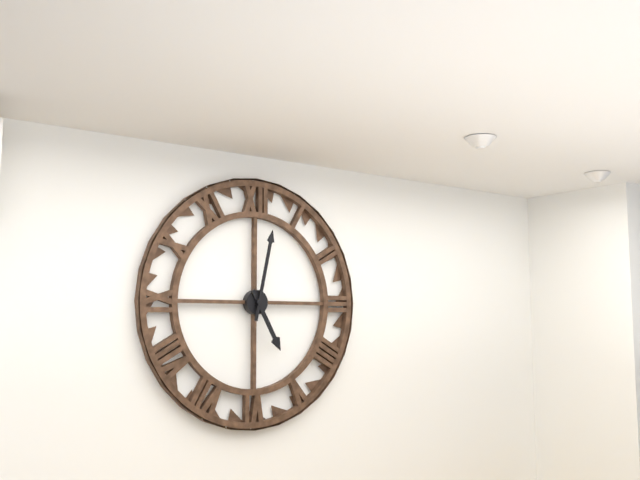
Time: **5:02**
